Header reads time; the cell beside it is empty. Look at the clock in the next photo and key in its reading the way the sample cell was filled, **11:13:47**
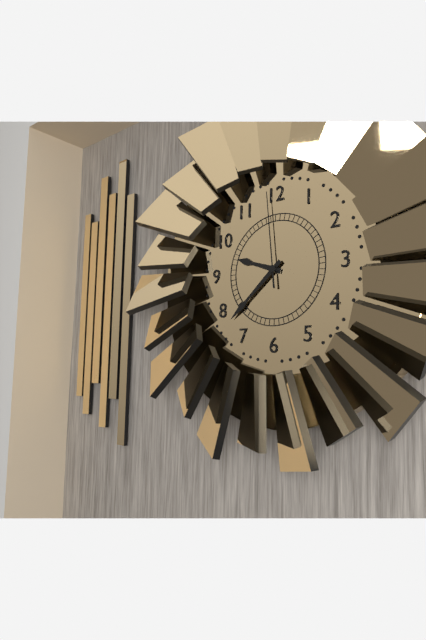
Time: **9:38:59**
